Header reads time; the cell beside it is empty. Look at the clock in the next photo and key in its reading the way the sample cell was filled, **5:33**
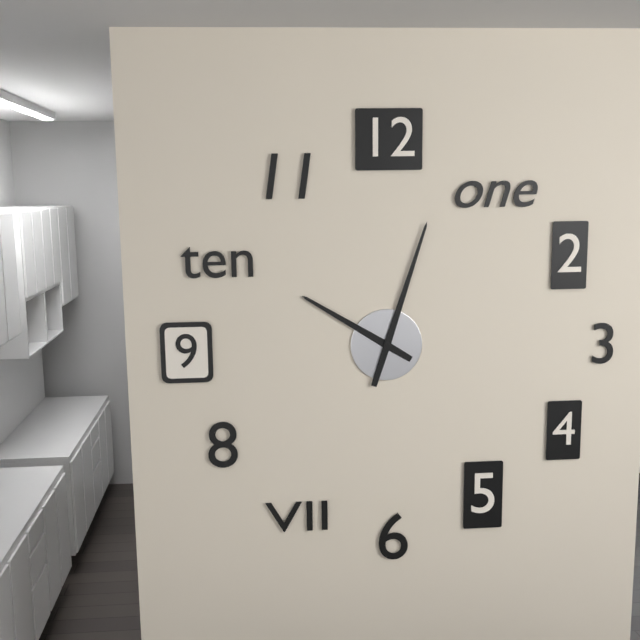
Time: **10:03**
